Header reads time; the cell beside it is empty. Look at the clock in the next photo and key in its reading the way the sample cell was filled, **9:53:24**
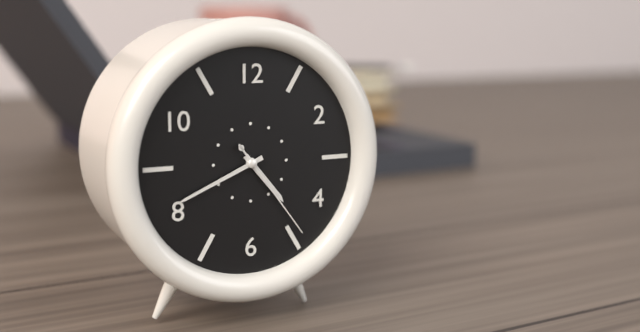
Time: **4:41:24**
